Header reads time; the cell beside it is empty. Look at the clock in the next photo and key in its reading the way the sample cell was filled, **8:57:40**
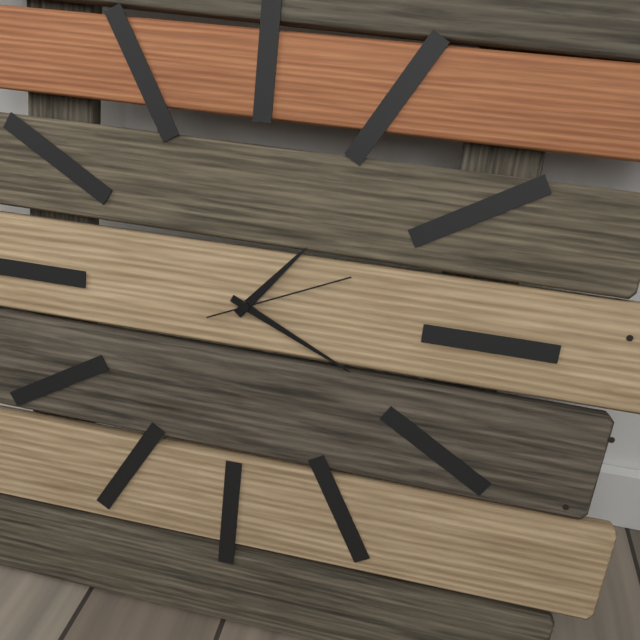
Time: **1:19:11**
